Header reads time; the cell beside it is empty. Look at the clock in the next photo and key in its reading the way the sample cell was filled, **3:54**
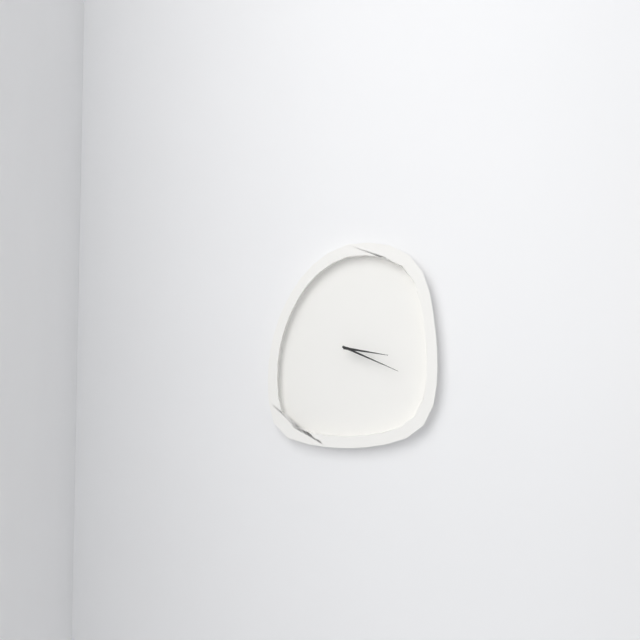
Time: **3:19**
